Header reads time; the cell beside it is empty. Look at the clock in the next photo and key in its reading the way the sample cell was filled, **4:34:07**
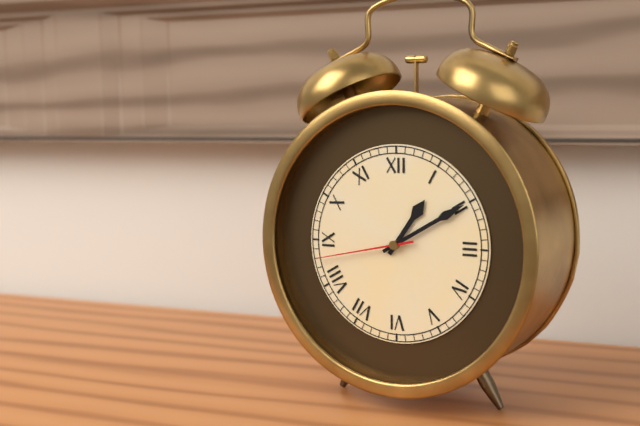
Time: **1:10:43**
